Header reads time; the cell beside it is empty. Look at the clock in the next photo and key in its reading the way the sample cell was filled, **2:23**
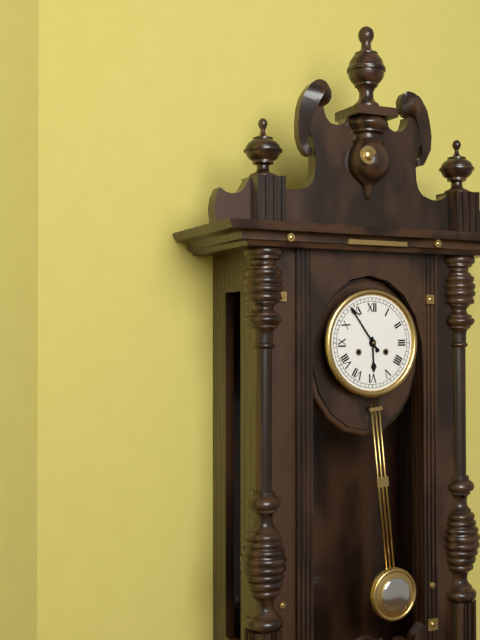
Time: **5:54**
